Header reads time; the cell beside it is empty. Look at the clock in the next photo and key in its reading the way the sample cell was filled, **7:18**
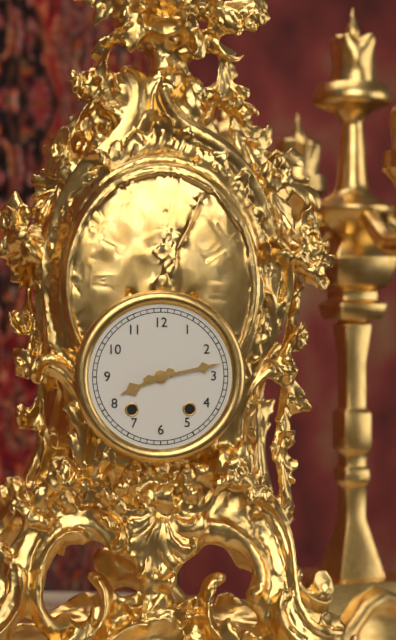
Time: **8:13**
